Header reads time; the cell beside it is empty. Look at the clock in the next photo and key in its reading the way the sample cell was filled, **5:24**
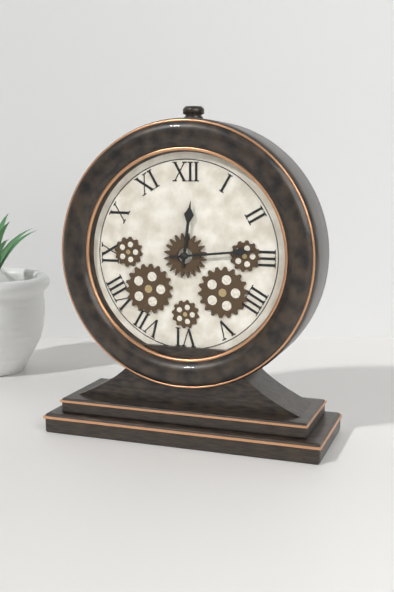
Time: **12:14**
